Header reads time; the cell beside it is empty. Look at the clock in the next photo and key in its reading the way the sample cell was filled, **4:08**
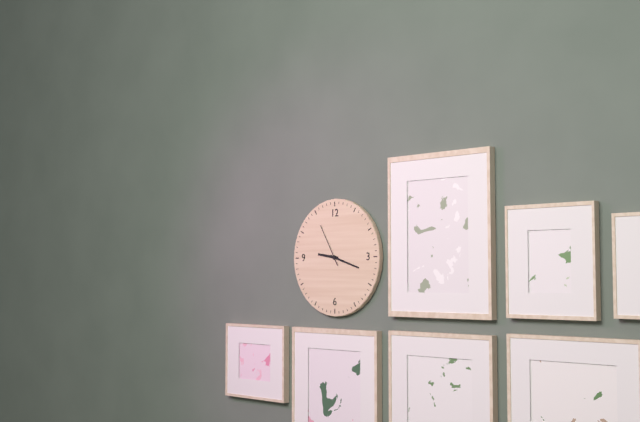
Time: **9:18**
